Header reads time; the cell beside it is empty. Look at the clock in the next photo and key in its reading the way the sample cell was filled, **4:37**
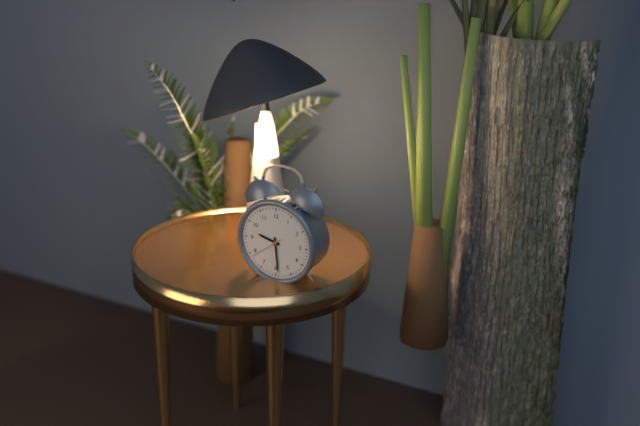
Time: **9:29**
